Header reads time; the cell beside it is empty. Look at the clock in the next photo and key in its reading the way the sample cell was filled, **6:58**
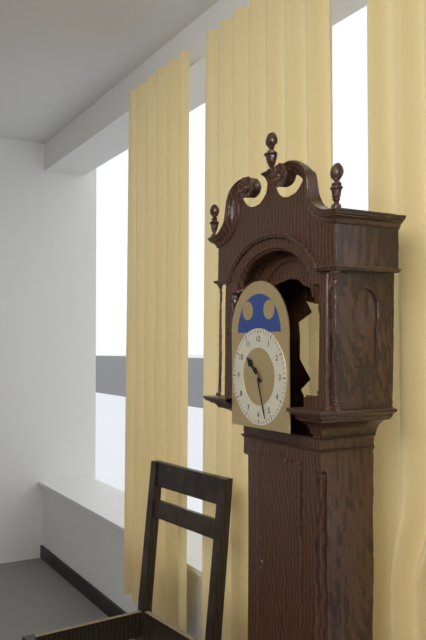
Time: **10:27**
